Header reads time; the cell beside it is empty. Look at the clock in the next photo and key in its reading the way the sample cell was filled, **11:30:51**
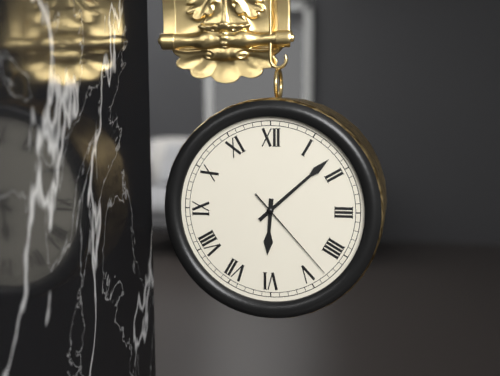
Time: **6:08:23**
